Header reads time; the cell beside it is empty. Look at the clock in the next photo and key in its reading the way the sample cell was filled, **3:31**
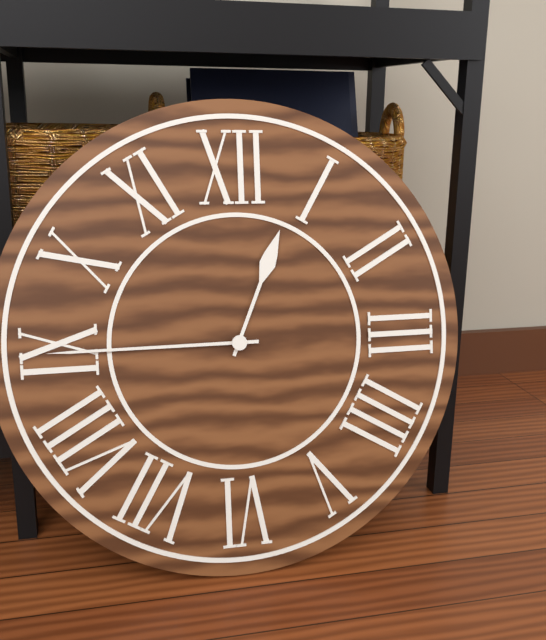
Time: **12:45**
